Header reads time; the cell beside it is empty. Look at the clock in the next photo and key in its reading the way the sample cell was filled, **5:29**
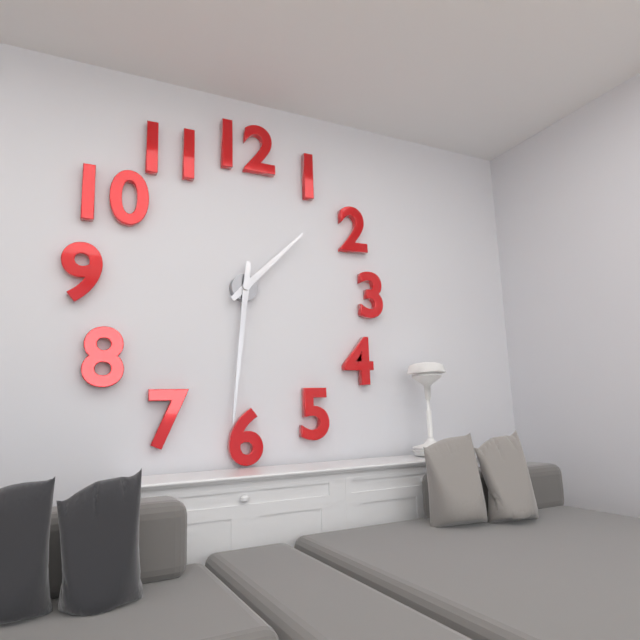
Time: **1:31**
